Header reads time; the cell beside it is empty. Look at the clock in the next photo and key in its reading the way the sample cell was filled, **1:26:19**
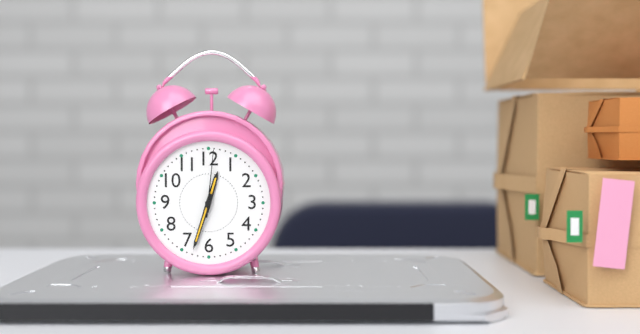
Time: **12:33:01**
